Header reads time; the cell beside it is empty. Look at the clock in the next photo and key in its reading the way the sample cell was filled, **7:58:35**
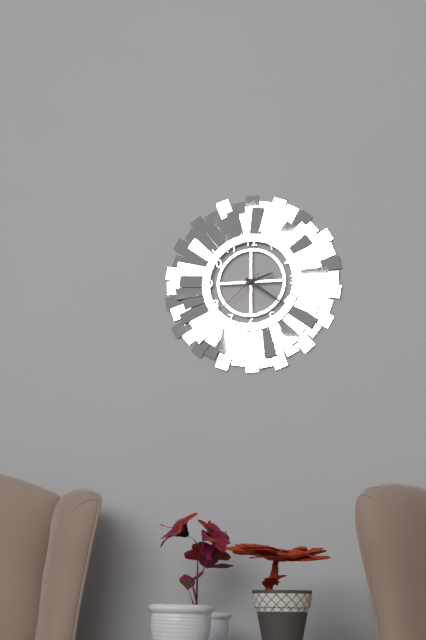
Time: **2:21:38**
